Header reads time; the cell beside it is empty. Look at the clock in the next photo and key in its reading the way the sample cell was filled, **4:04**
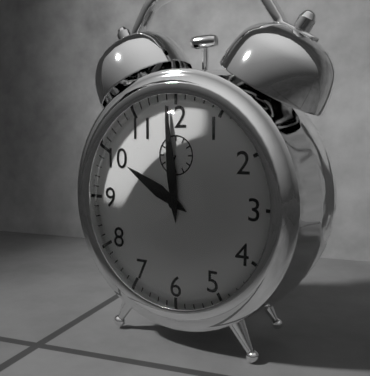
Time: **9:59**
